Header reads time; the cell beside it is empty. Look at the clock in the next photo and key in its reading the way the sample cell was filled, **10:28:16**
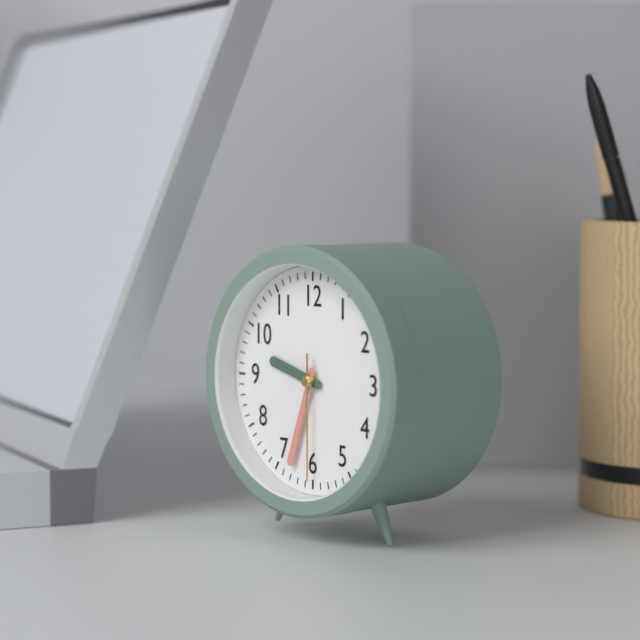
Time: **9:33:30**
